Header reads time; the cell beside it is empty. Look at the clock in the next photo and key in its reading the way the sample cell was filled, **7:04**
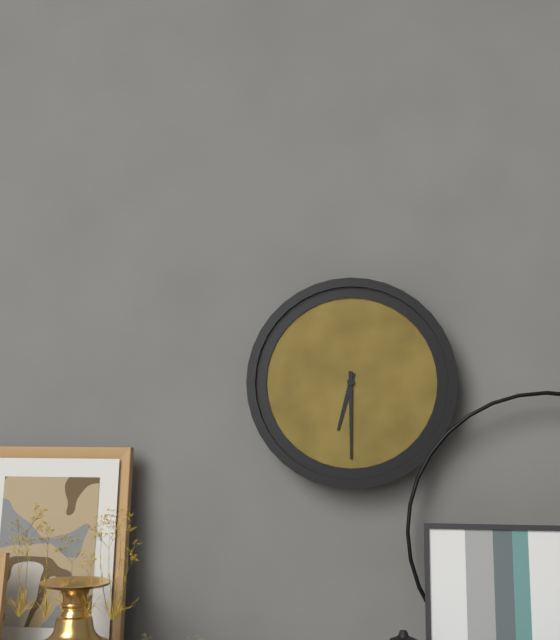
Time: **6:30**
